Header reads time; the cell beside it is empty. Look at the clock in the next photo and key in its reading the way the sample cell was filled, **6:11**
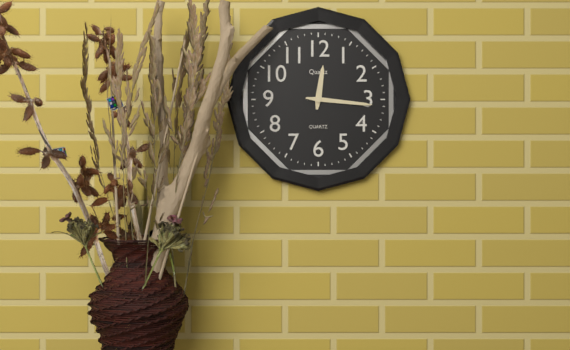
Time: **12:16**
